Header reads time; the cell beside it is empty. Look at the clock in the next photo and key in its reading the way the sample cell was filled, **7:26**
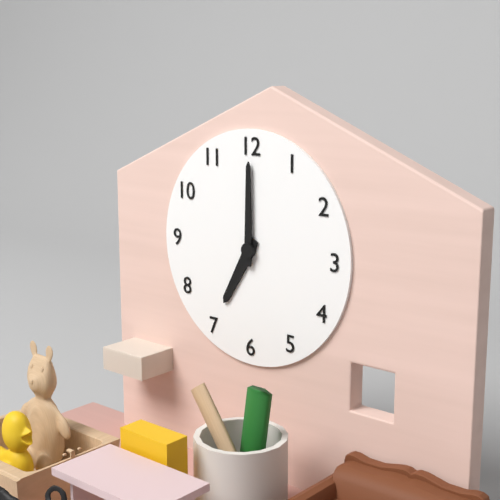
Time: **7:00**
